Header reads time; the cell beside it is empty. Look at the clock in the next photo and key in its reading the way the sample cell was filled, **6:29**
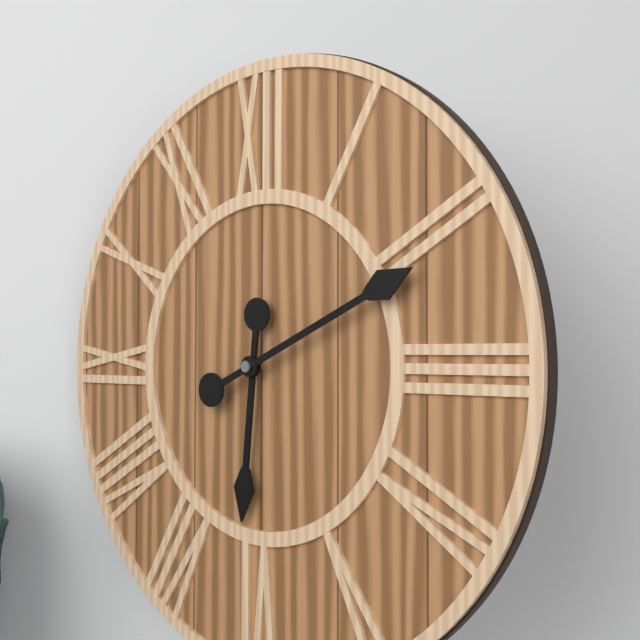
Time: **6:11**
